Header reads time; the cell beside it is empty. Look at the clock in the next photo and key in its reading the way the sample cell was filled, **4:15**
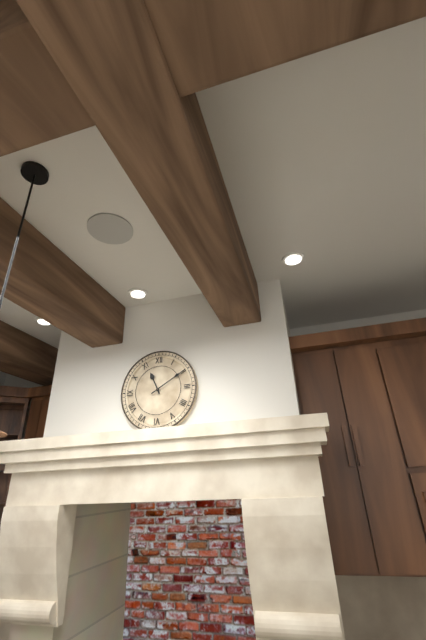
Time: **11:10**
